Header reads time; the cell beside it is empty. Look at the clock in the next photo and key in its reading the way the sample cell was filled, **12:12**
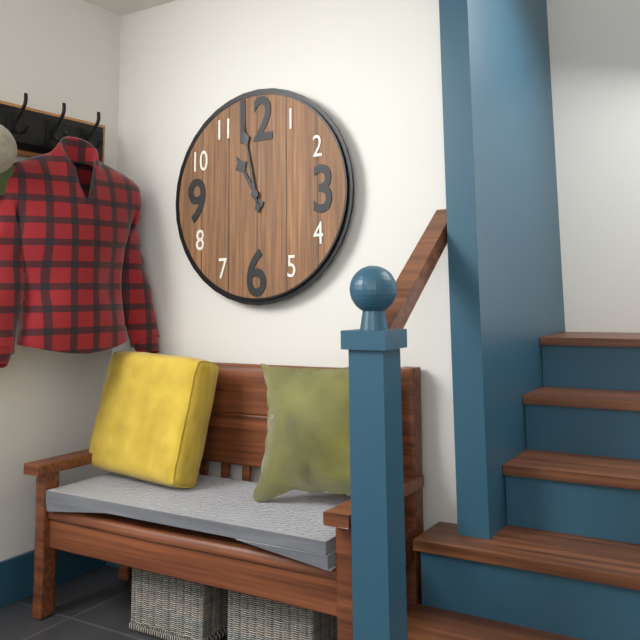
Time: **10:58**
